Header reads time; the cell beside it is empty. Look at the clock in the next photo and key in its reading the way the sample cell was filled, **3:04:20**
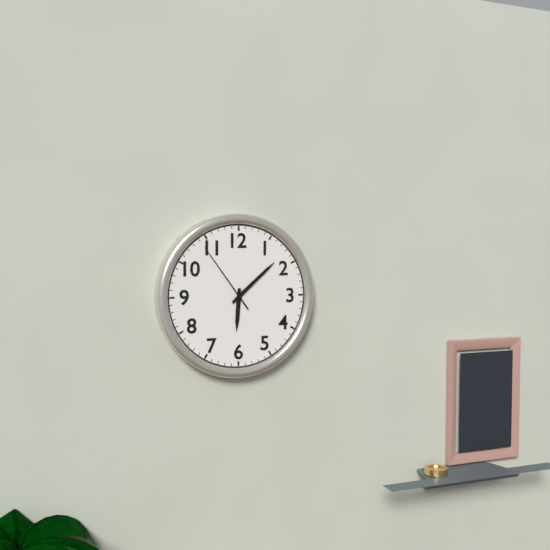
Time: **6:08:54**
